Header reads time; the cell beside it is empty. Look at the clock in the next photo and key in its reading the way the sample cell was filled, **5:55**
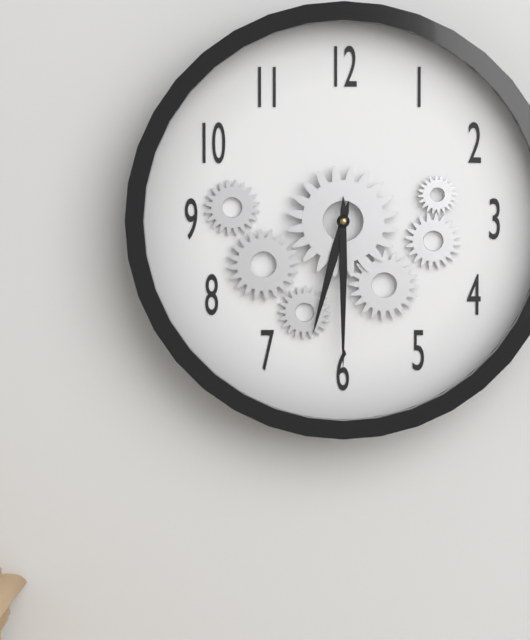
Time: **6:30**
